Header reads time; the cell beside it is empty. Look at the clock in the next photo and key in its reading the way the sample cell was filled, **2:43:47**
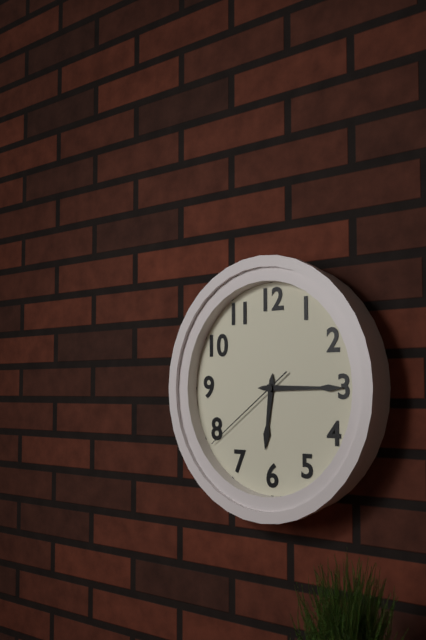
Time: **6:15:39**
